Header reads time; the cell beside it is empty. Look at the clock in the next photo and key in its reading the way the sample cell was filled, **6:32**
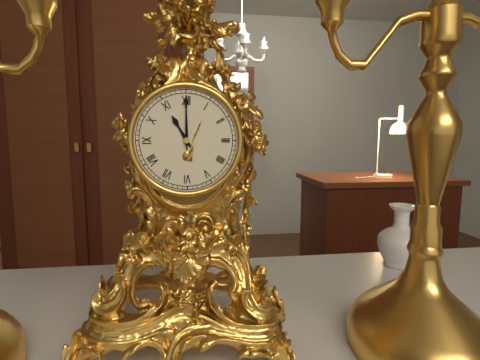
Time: **11:00**
